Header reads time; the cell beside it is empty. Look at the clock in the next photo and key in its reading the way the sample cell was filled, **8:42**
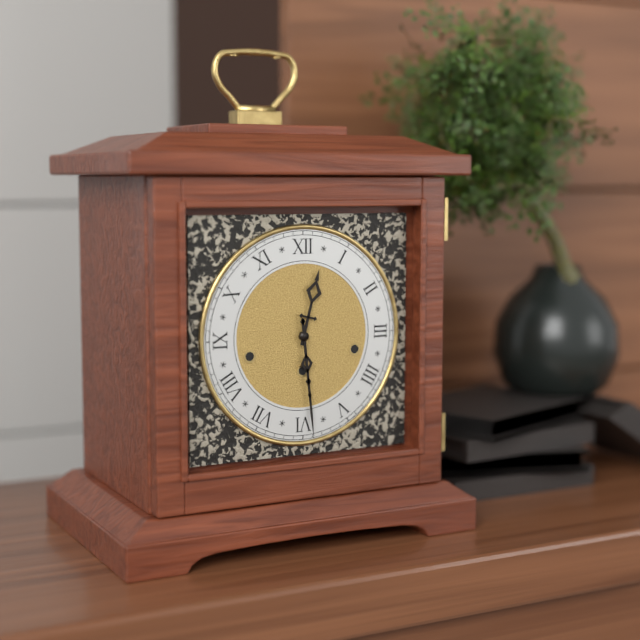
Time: **12:29**
